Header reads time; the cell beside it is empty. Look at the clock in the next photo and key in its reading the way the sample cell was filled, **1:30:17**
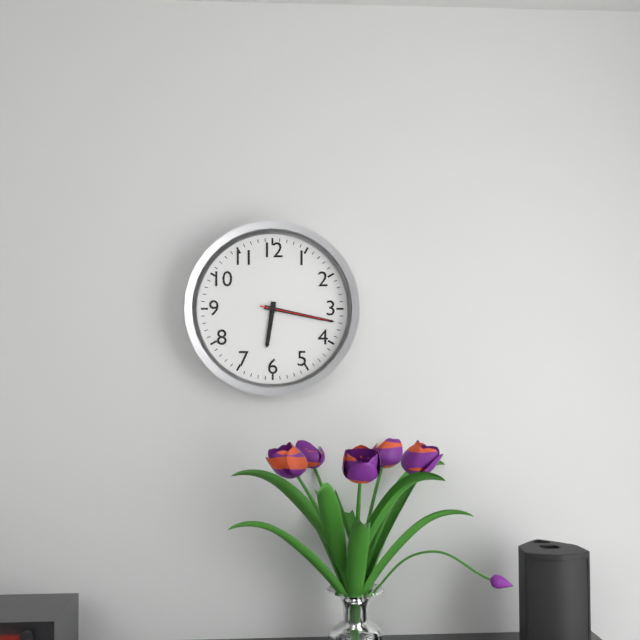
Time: **6:17:17**
